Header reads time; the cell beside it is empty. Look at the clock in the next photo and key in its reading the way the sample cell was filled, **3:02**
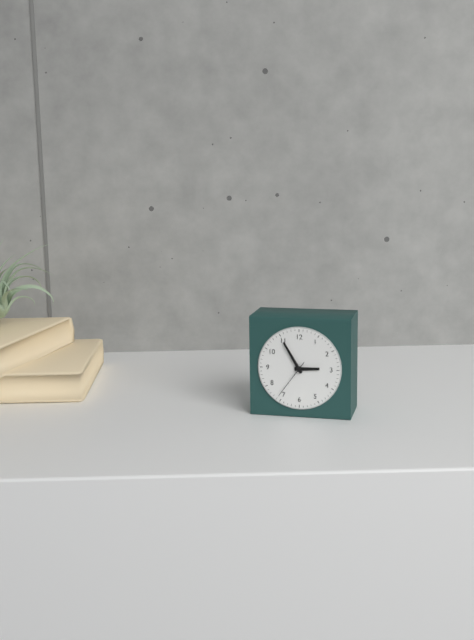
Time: **2:55**
